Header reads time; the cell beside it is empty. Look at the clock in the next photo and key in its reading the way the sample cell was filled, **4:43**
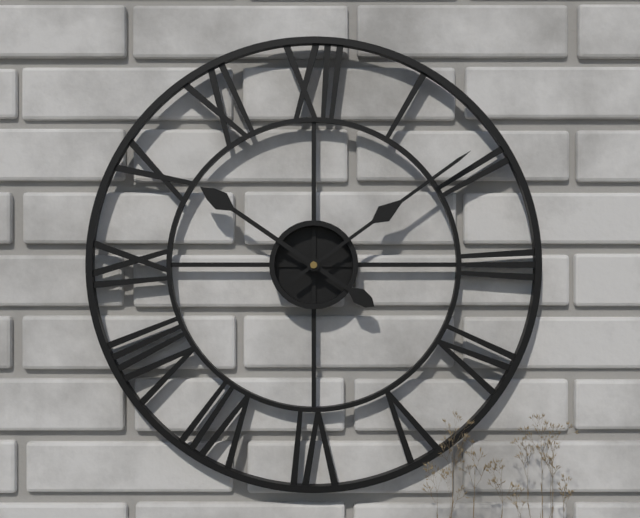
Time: **10:09**
